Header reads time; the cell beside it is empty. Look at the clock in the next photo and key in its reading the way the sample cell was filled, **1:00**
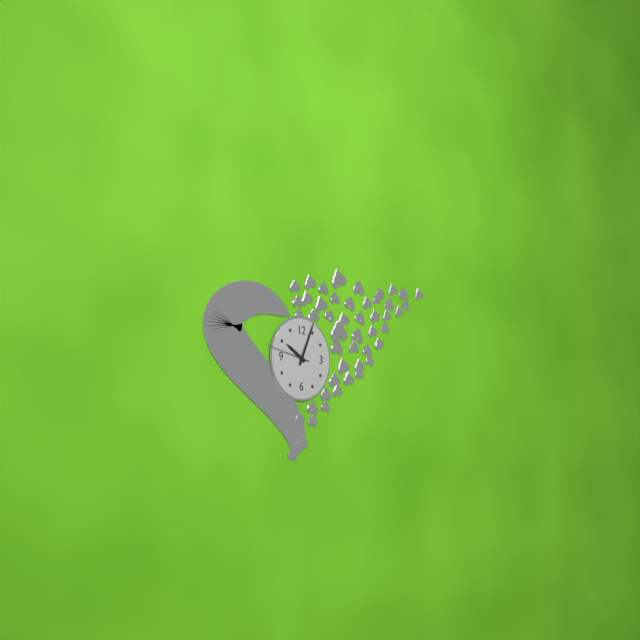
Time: **10:04**
